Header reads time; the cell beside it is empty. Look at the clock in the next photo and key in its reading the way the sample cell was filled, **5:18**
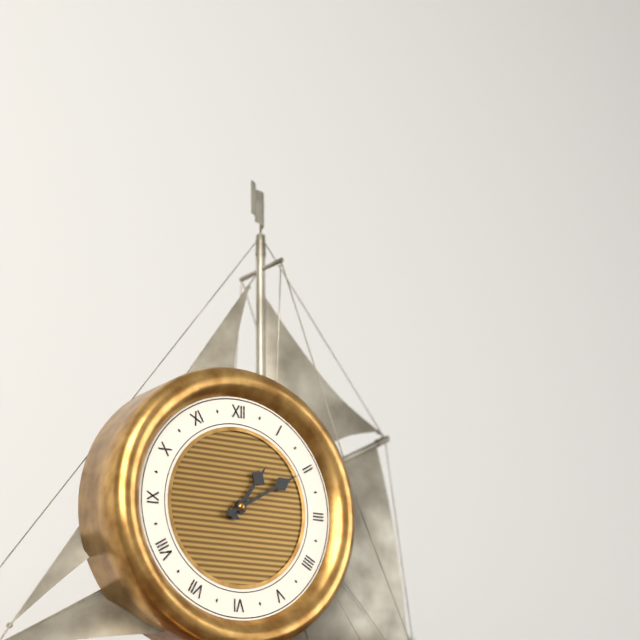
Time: **1:10**
